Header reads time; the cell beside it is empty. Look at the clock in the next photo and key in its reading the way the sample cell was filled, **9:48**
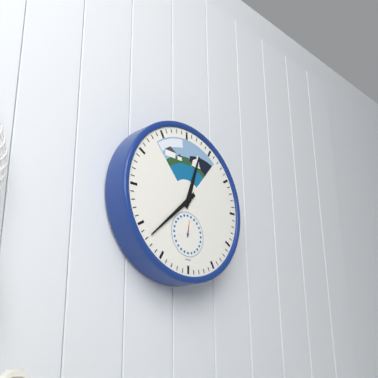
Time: **12:38**
